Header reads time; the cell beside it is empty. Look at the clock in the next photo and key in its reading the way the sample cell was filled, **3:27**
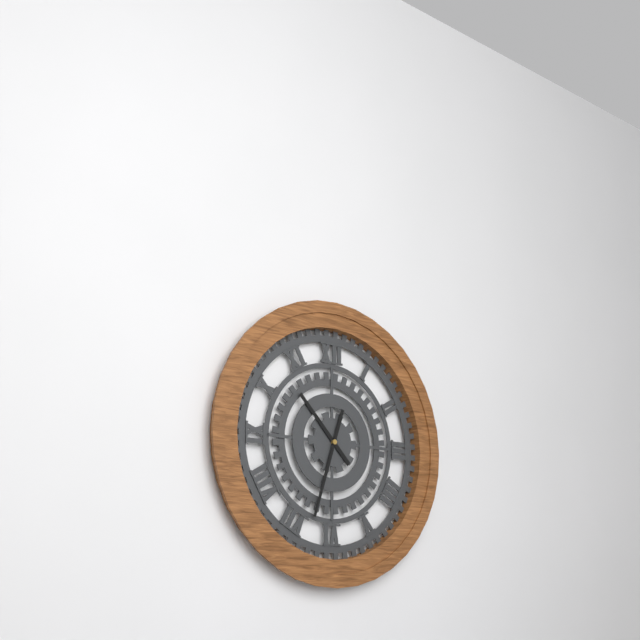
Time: **10:33**
